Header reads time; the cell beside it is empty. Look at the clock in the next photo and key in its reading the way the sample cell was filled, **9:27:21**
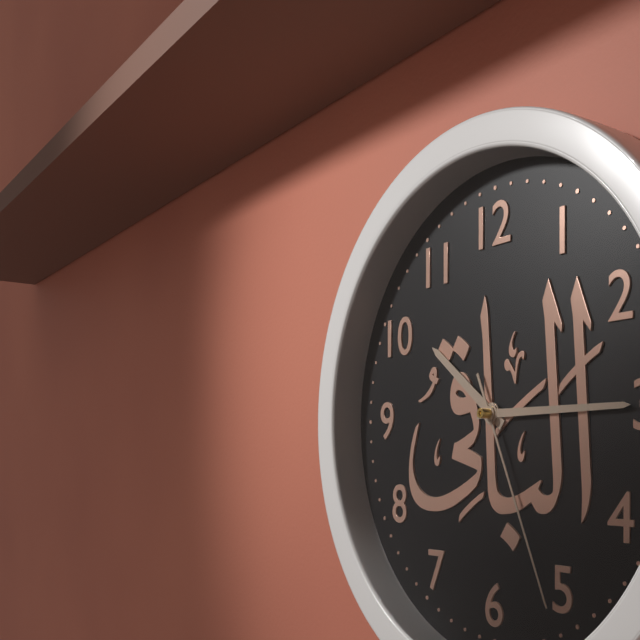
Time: **10:15:26**
